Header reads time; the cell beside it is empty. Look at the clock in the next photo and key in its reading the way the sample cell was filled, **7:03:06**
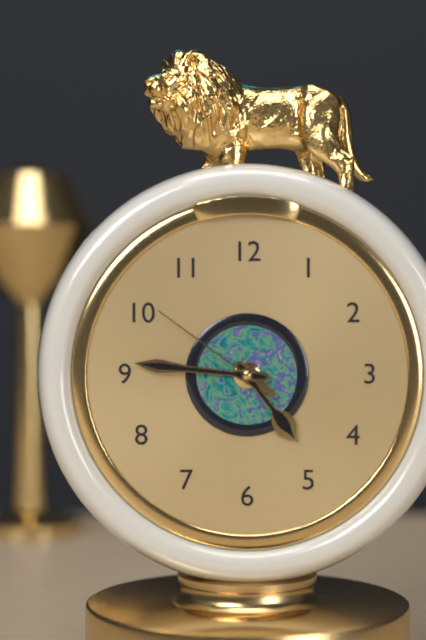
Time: **4:46:51**
